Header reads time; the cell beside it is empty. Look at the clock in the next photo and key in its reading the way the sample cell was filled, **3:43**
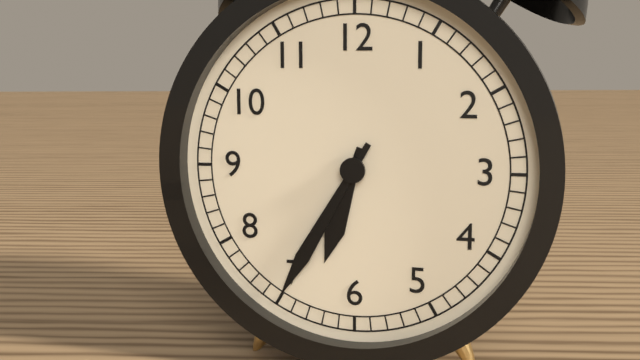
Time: **6:35**
